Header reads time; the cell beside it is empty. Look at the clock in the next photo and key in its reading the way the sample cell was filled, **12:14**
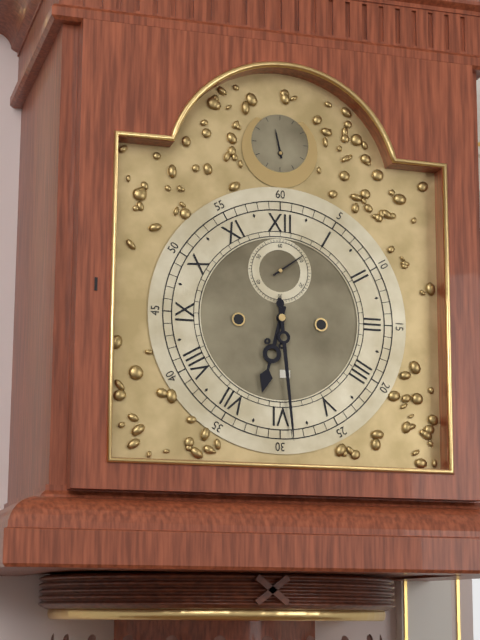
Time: **6:29**
